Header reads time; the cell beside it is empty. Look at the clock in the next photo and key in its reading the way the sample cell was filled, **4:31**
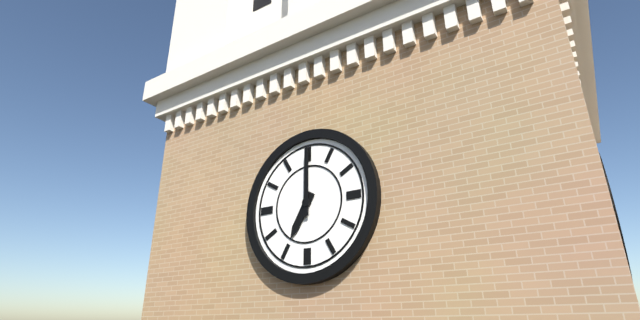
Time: **7:00**
